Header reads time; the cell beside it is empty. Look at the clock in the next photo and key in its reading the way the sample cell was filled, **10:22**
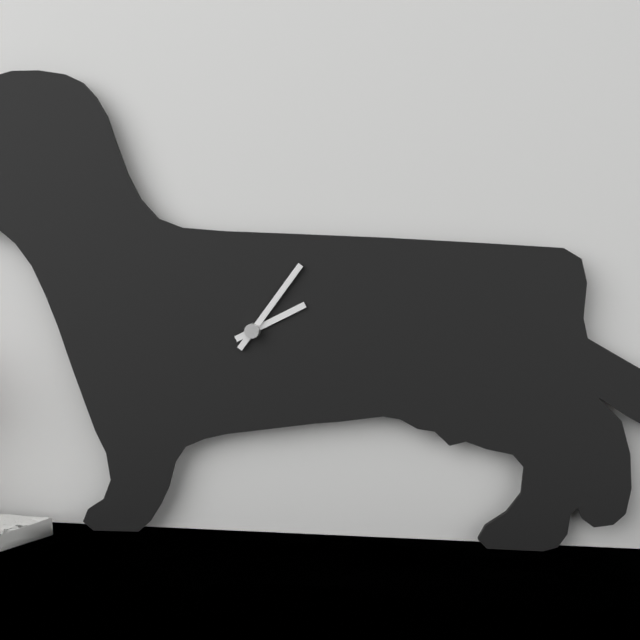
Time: **2:06**
